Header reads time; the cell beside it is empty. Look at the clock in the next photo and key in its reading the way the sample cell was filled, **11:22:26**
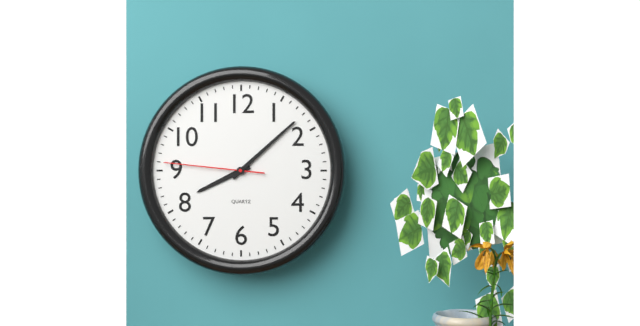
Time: **8:08:46**
